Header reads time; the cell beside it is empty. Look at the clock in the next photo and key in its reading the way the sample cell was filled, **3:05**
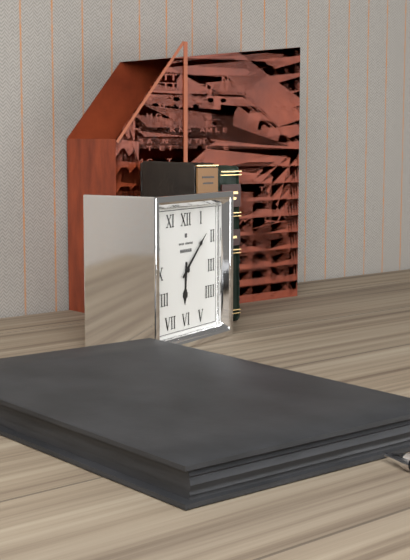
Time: **6:08**
